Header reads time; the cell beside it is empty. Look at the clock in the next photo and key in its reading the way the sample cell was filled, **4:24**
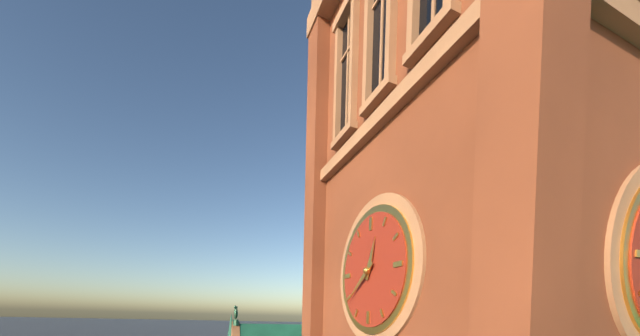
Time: **12:39**
